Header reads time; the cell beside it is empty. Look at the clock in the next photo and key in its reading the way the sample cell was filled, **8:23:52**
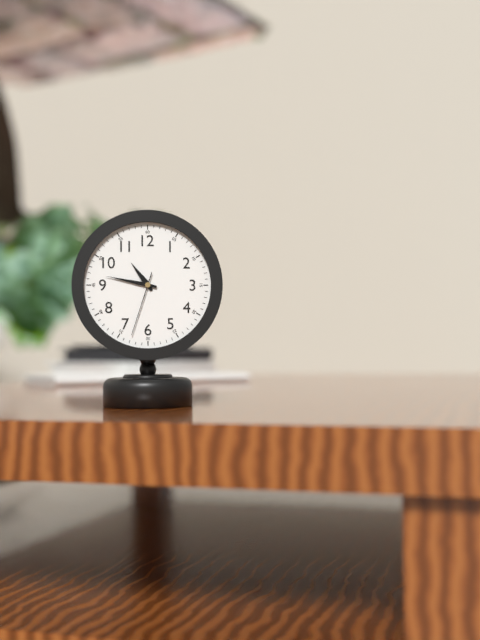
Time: **10:47:33**
